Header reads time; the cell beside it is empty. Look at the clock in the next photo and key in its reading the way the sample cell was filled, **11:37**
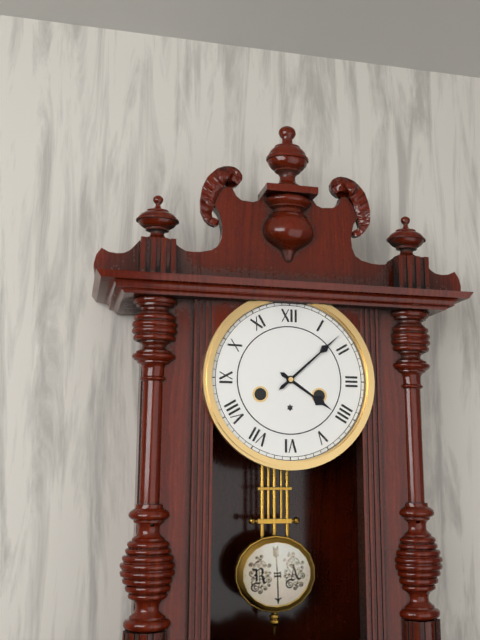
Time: **4:08**
